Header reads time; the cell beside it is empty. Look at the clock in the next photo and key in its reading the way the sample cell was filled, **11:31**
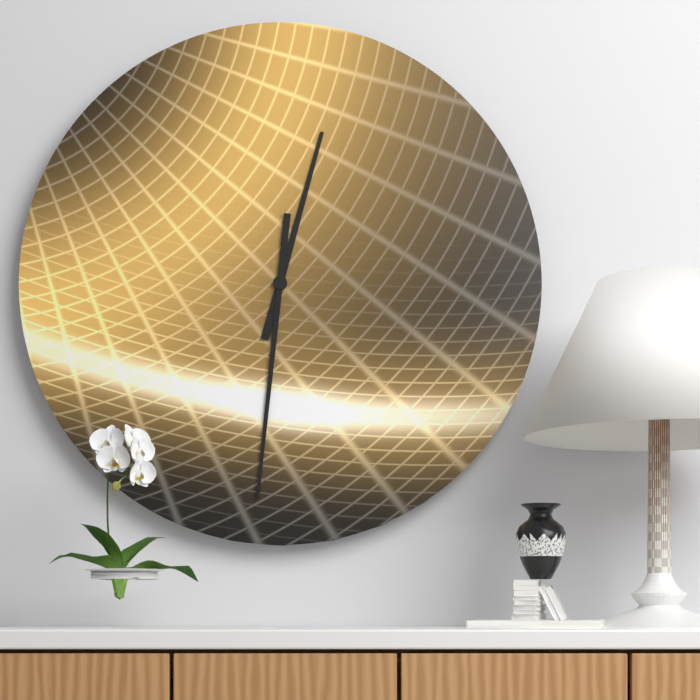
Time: **12:31**
